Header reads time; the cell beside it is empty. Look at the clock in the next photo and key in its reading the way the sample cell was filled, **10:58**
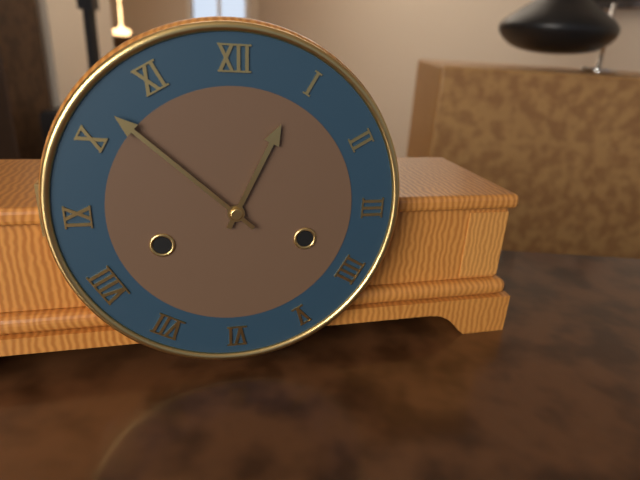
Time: **12:52**
